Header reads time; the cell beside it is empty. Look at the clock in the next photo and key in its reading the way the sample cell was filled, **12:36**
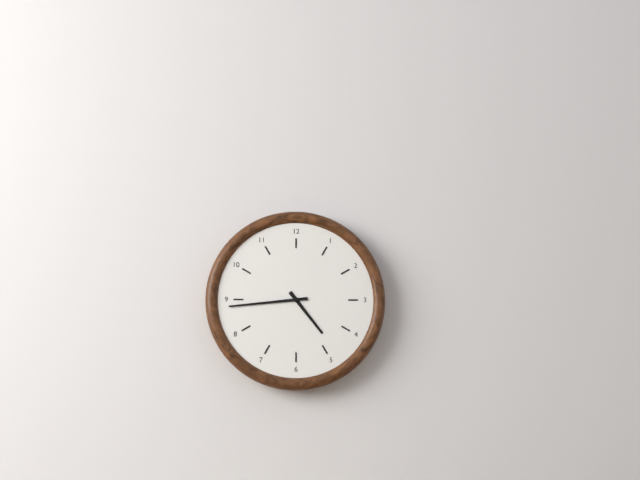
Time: **4:44**
